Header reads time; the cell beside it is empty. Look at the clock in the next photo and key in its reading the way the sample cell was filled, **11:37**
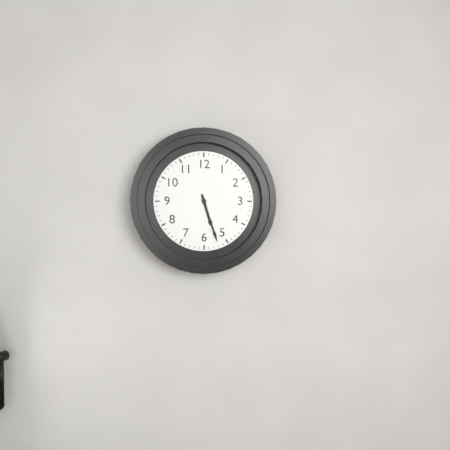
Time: **5:27**
